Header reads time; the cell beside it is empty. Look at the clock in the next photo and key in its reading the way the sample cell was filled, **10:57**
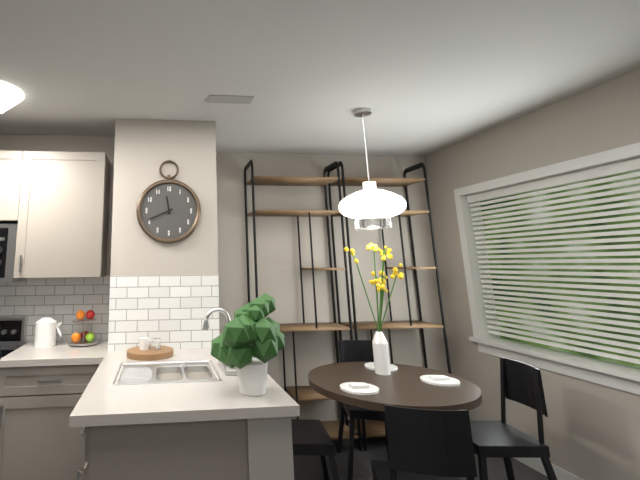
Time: **11:41**
